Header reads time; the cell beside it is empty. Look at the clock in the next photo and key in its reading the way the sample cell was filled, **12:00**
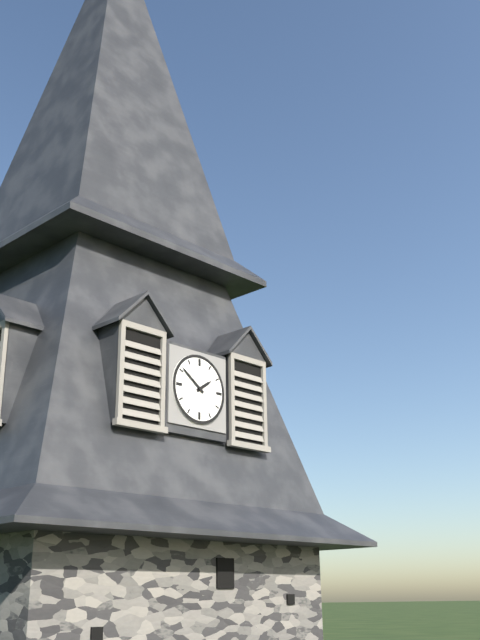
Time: **1:51**
